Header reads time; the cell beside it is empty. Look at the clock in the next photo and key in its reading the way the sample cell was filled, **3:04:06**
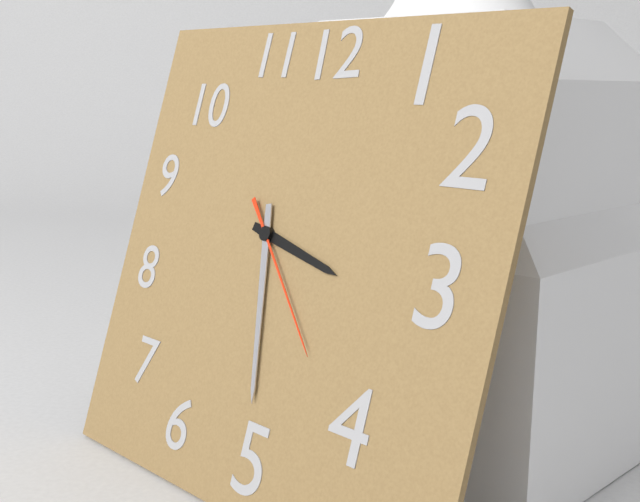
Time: **3:28:23**
